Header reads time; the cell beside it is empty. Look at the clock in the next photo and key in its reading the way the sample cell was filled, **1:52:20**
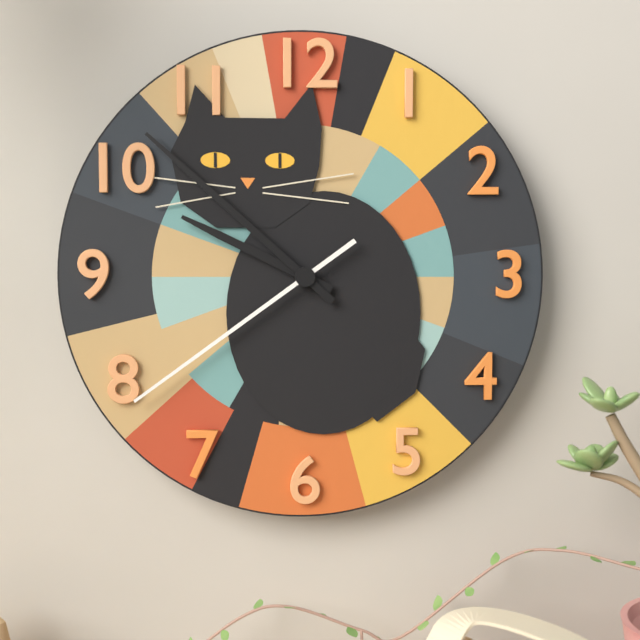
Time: **9:52:39**
